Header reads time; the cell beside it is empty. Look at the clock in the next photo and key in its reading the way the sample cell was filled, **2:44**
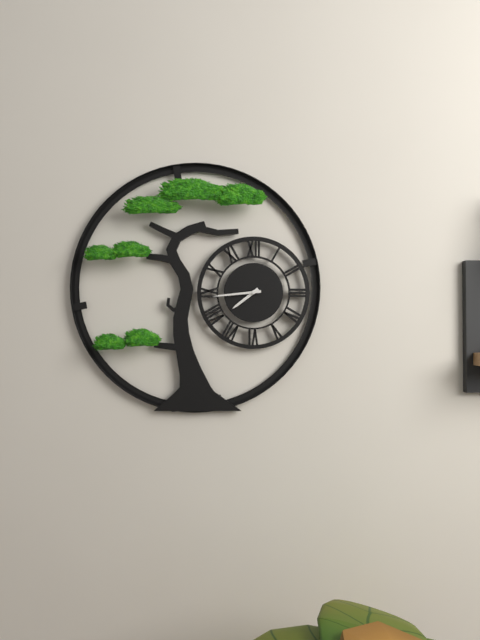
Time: **7:44**
